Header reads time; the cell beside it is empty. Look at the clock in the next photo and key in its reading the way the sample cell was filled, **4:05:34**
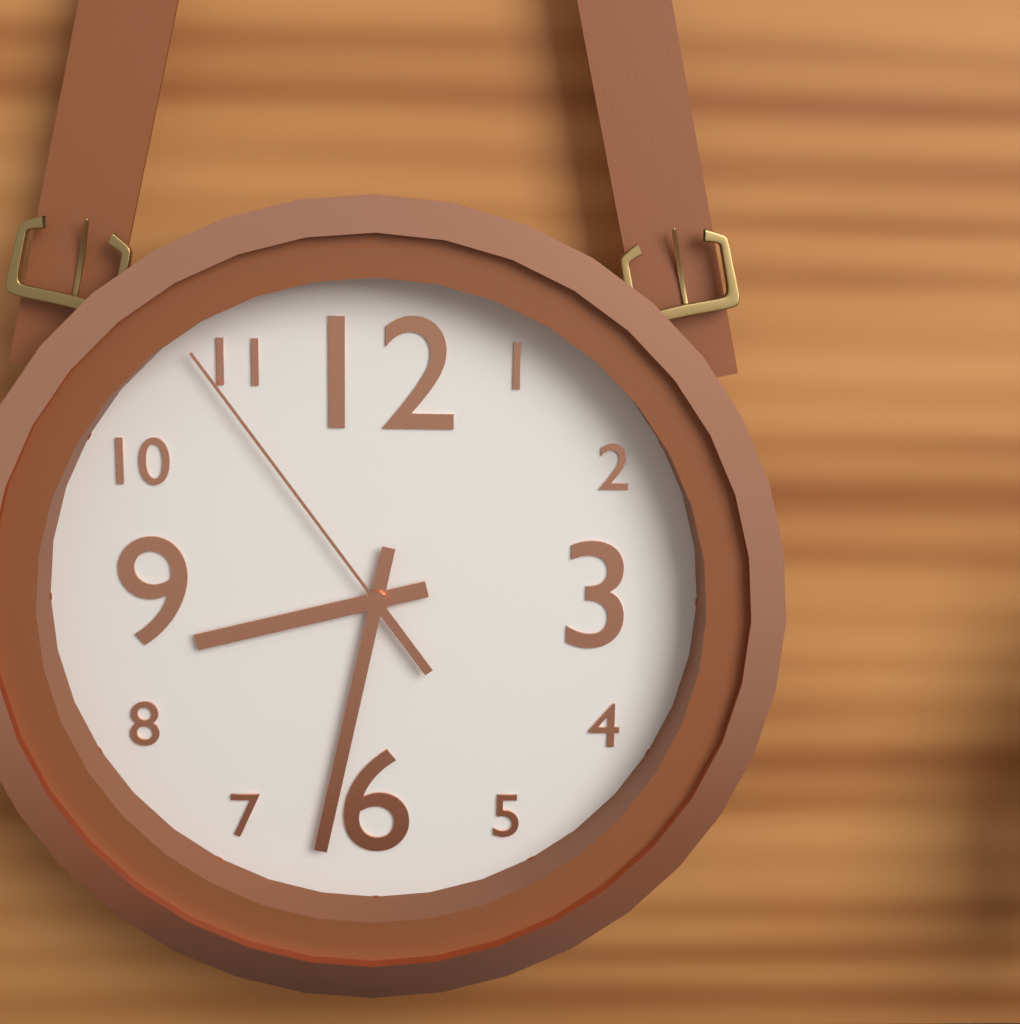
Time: **8:32:54**
